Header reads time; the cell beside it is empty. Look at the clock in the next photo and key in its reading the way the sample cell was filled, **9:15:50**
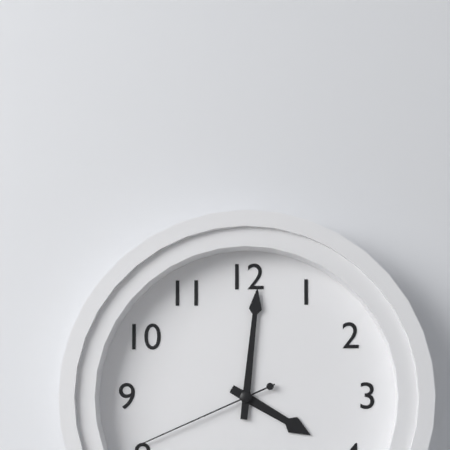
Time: **4:01:41**
